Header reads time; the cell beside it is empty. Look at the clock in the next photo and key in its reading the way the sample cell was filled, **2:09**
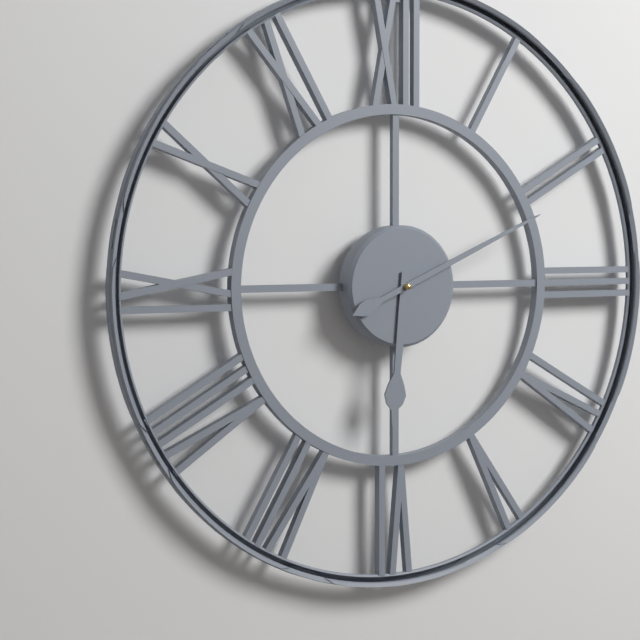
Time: **6:11**
